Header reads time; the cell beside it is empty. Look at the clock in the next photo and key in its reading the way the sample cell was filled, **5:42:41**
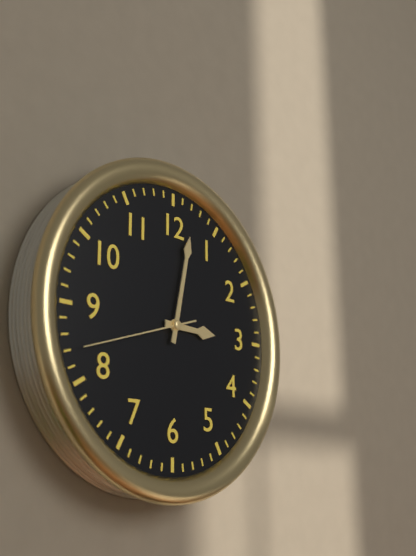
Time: **3:02:42**
